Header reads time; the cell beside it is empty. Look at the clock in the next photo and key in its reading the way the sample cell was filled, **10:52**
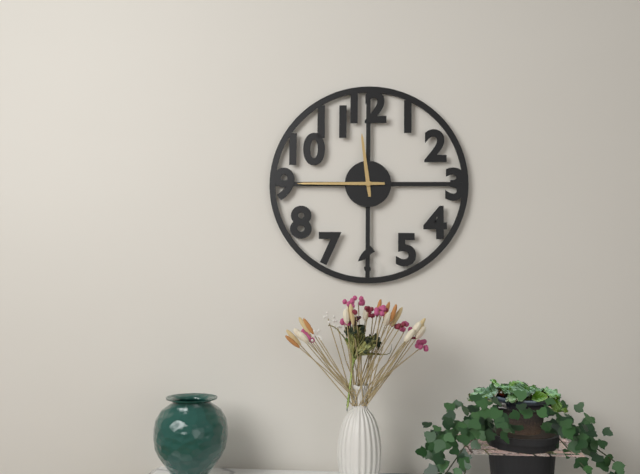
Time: **11:45**
